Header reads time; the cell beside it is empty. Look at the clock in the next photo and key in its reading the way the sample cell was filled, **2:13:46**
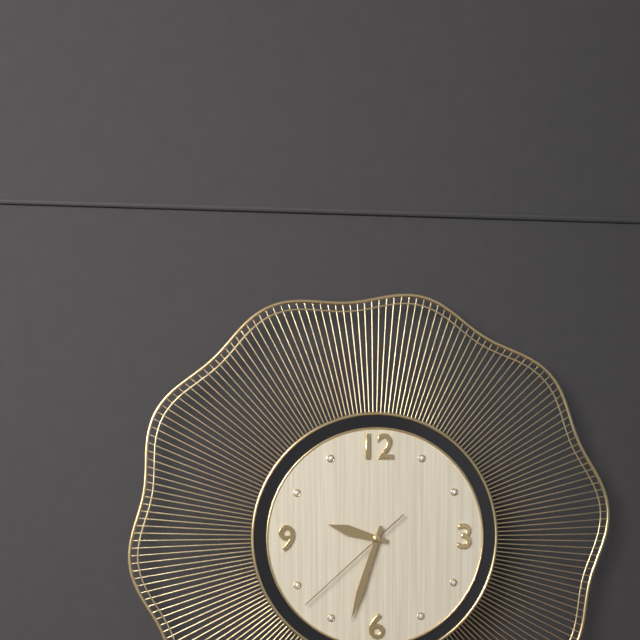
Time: **9:33:38**
